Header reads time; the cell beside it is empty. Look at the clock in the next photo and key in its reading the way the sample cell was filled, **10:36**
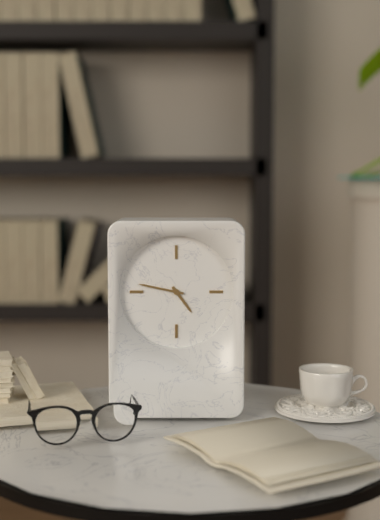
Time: **4:47**
